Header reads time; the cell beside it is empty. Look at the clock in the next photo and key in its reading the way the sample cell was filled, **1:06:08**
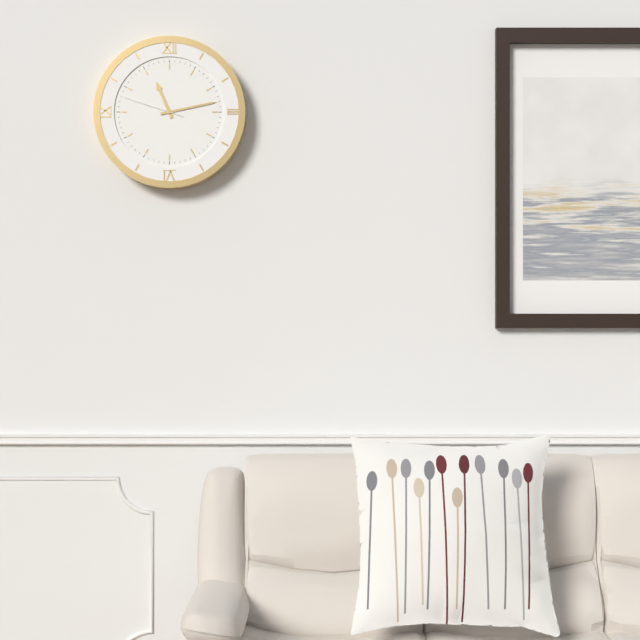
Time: **11:13:48**
